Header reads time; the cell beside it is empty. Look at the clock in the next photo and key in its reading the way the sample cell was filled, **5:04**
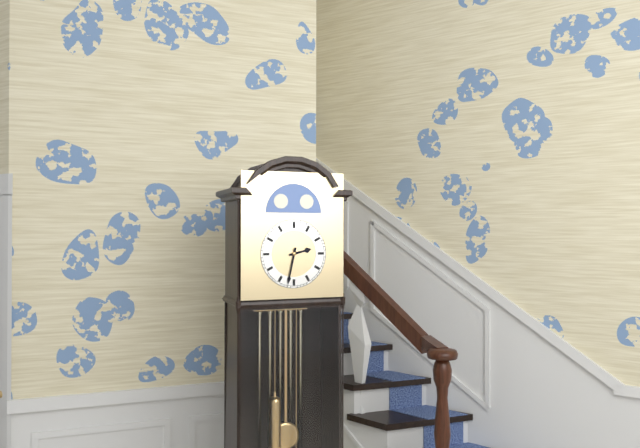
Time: **2:32**
